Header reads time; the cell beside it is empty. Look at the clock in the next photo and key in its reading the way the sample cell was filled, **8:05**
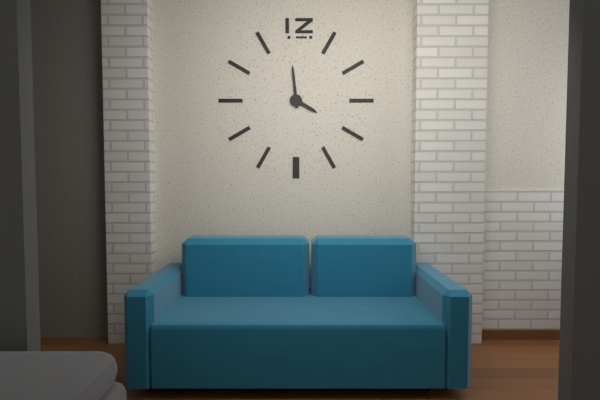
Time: **3:59**
